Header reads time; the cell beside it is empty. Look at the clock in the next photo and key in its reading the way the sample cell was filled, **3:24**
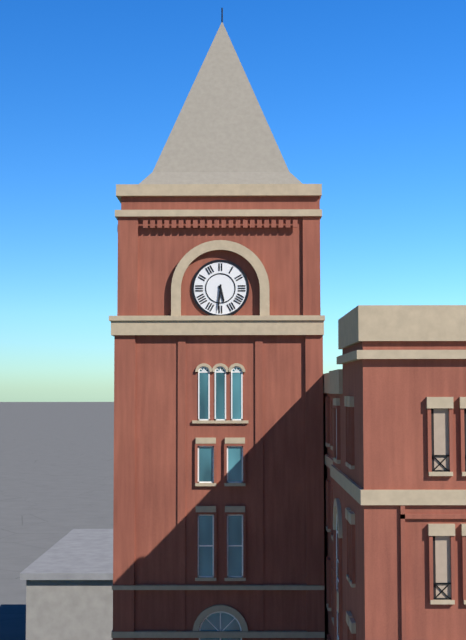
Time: **5:31**
